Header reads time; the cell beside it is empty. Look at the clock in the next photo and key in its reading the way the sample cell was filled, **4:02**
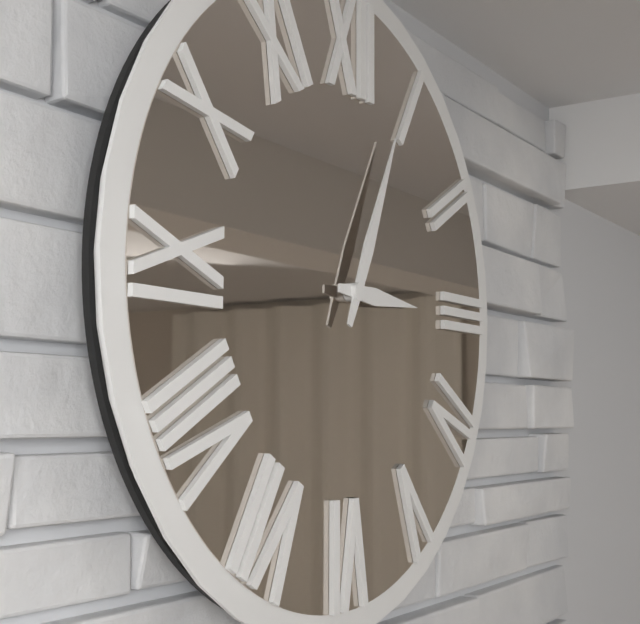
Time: **3:04**
